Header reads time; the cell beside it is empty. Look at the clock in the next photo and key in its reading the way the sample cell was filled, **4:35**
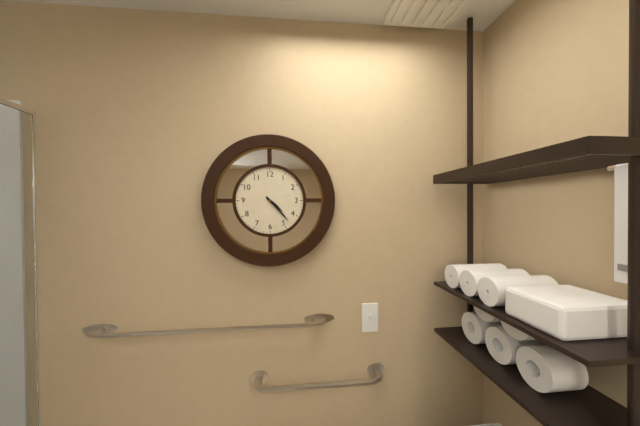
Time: **4:23**
